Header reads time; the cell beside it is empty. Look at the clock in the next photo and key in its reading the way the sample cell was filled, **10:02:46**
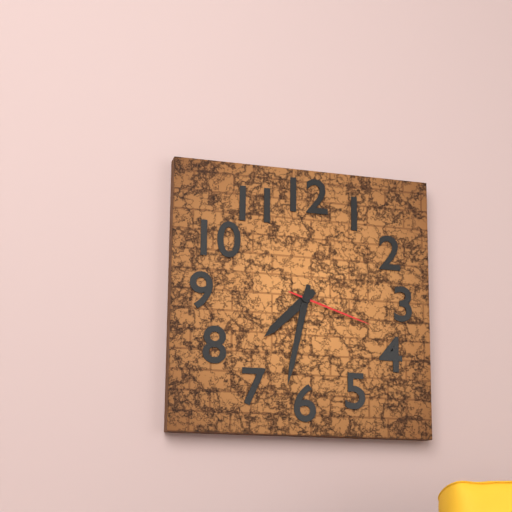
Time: **7:32:18**
